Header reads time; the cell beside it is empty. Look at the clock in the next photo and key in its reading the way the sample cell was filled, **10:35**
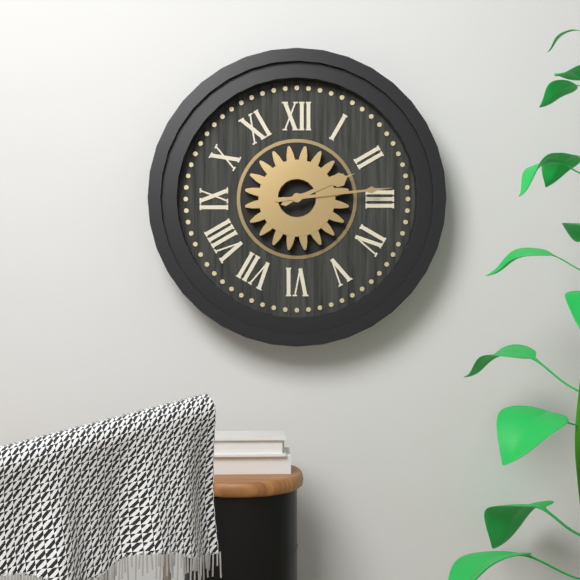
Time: **2:14**
